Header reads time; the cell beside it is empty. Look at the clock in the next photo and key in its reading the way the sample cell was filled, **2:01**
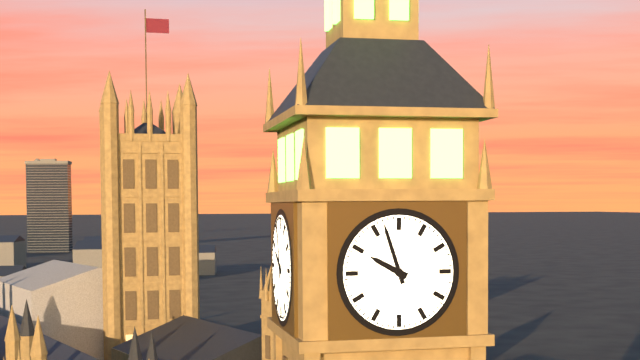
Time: **9:57**
